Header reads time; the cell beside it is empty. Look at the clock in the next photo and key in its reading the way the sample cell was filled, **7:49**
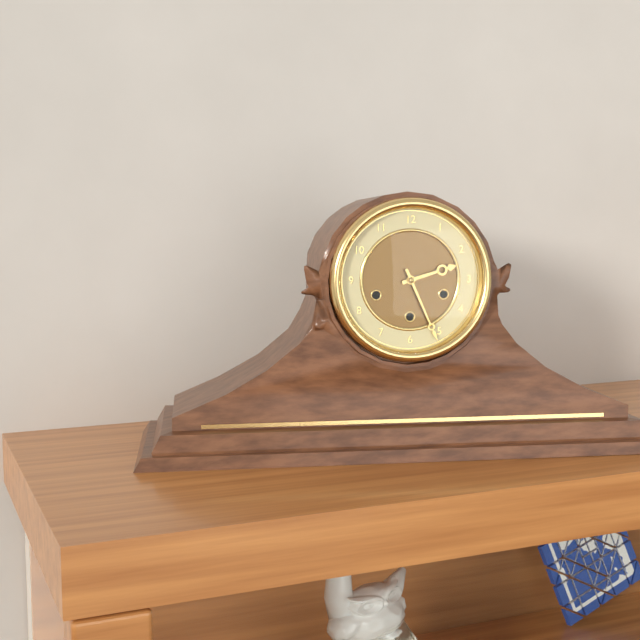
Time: **2:26**
